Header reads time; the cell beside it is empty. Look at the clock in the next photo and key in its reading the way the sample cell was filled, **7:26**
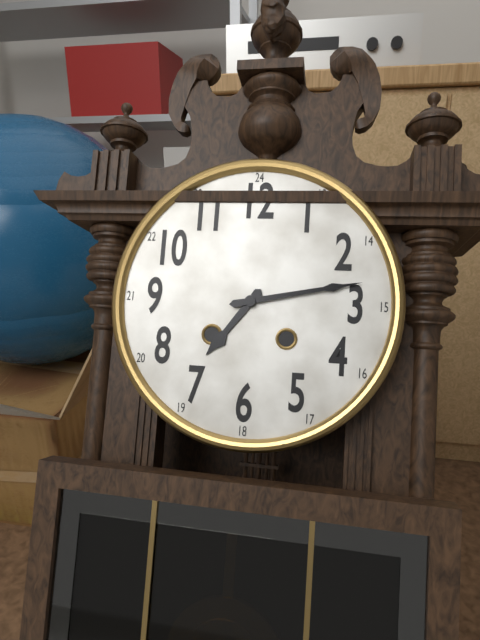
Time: **7:13**
